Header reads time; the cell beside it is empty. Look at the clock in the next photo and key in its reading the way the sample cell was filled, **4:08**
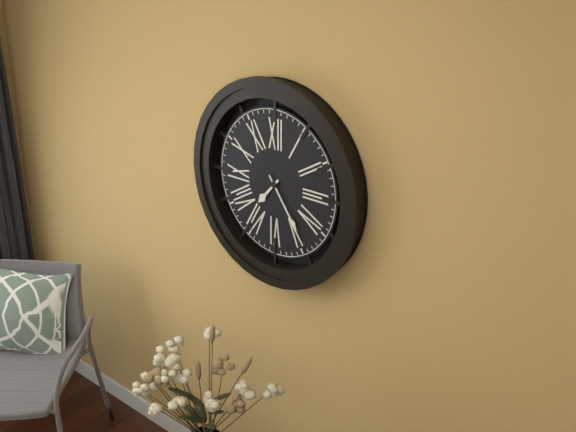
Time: **7:24**
